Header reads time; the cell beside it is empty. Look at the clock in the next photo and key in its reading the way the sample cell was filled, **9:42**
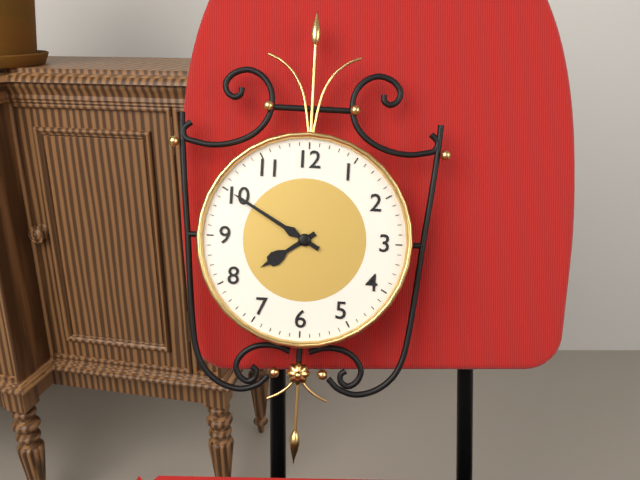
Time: **7:50**
